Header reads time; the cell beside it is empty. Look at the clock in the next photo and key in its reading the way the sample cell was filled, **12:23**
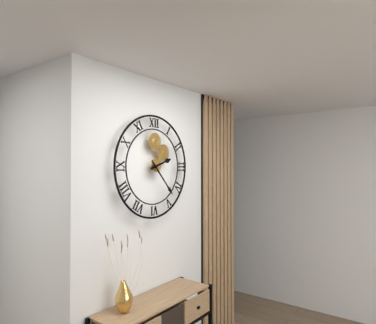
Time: **2:23**
